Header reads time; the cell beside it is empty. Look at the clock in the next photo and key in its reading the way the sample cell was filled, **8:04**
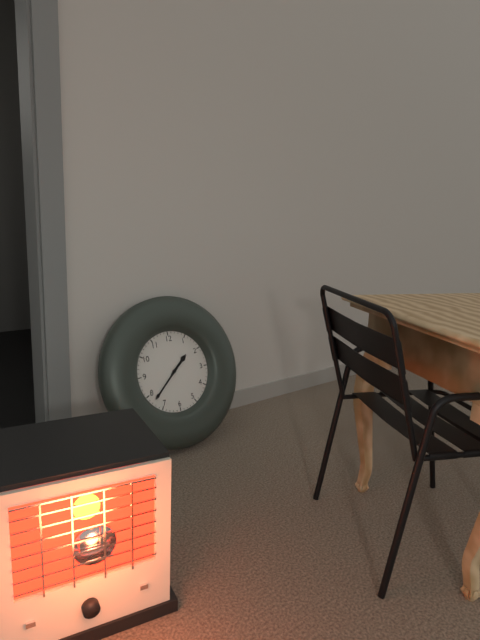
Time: **1:38**
